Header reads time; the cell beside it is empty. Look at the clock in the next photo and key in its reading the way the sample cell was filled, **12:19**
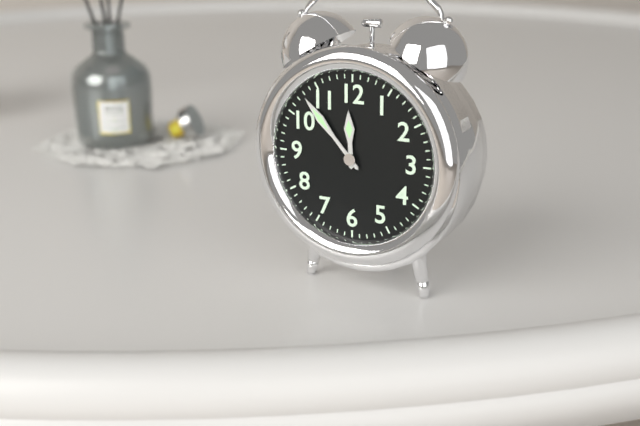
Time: **11:53**
